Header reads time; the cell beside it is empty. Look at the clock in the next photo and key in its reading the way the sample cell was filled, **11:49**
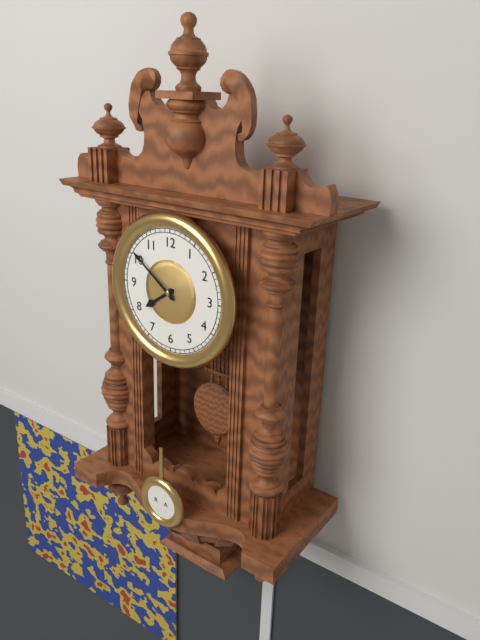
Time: **7:51**
